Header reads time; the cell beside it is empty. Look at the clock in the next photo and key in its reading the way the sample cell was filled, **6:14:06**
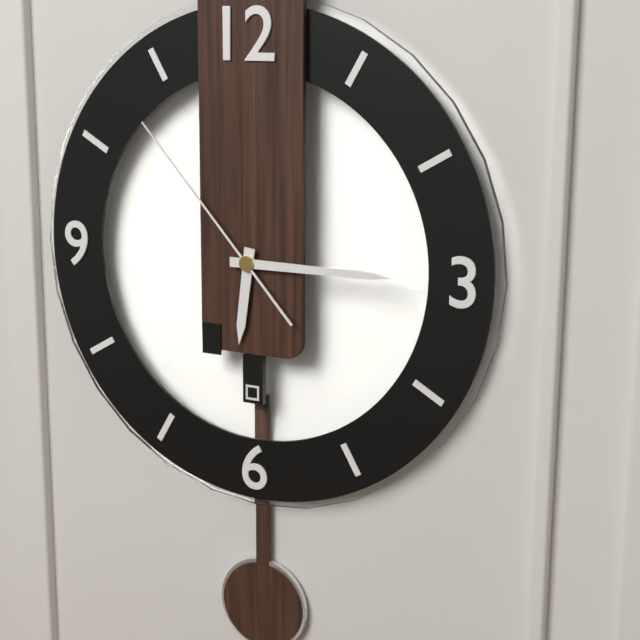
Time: **6:15:53**
